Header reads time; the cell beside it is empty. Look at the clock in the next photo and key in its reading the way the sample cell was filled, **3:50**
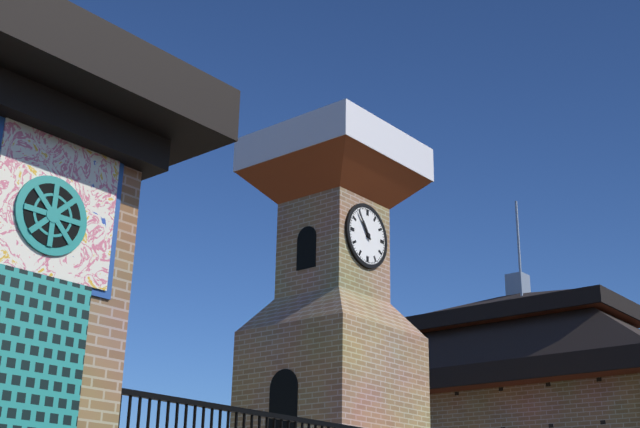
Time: **10:54**
